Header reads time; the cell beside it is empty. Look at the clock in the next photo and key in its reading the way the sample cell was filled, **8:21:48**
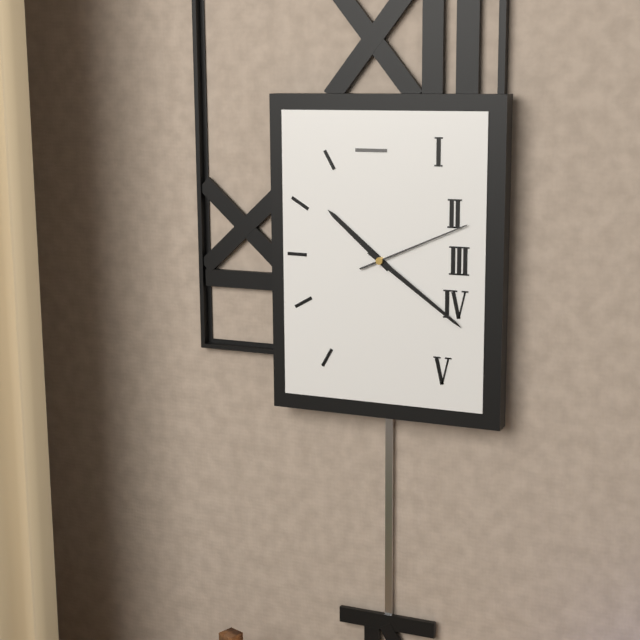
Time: **10:21:11**
